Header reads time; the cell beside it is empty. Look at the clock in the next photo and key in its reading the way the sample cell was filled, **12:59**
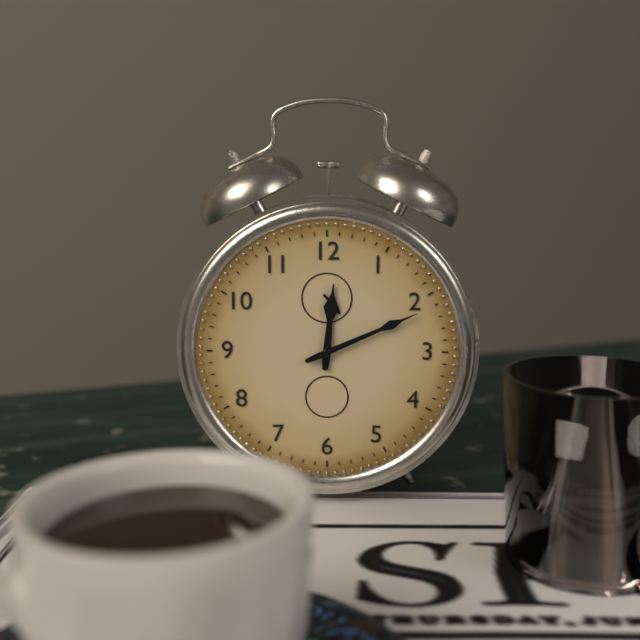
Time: **12:11**
